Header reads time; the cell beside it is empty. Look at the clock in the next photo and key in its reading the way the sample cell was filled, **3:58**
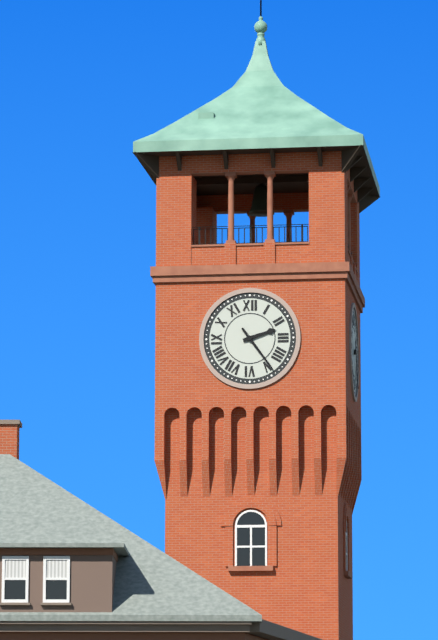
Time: **2:24**
